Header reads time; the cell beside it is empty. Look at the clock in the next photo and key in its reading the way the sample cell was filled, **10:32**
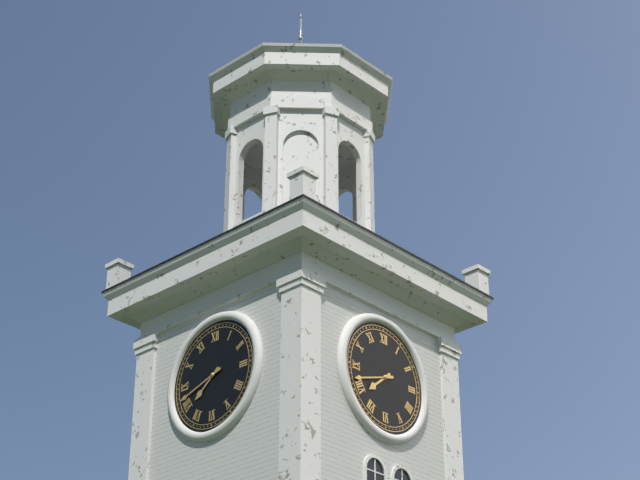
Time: **7:42**
